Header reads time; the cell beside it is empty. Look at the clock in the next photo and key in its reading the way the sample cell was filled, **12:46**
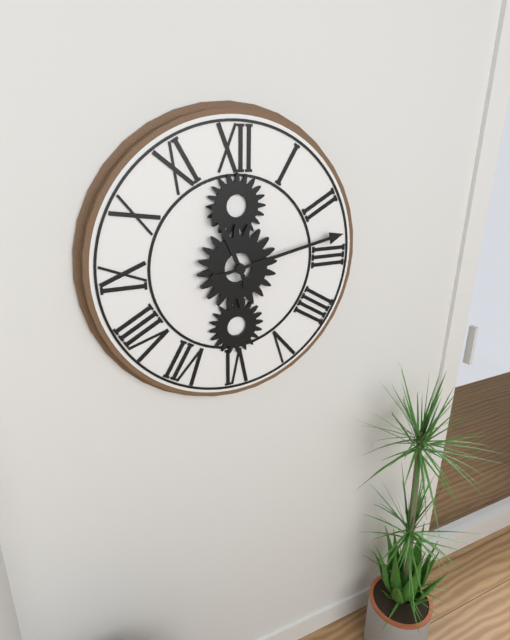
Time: **11:13**
